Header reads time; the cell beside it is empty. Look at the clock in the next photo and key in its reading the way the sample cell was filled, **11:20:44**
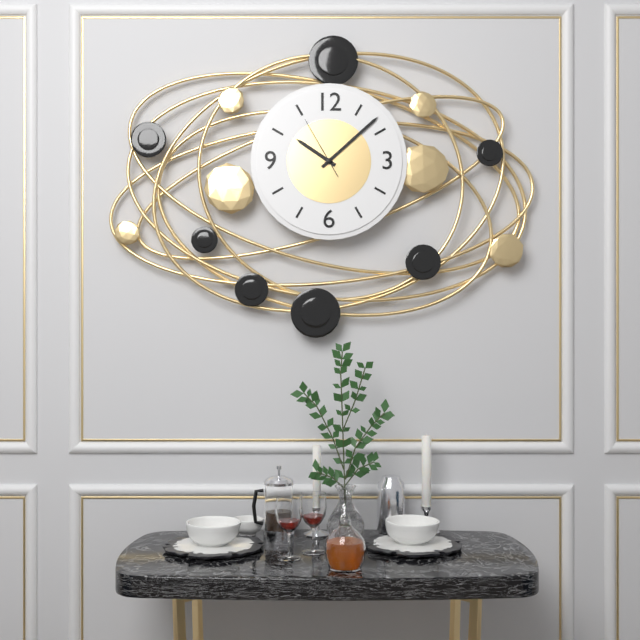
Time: **10:08:55**
